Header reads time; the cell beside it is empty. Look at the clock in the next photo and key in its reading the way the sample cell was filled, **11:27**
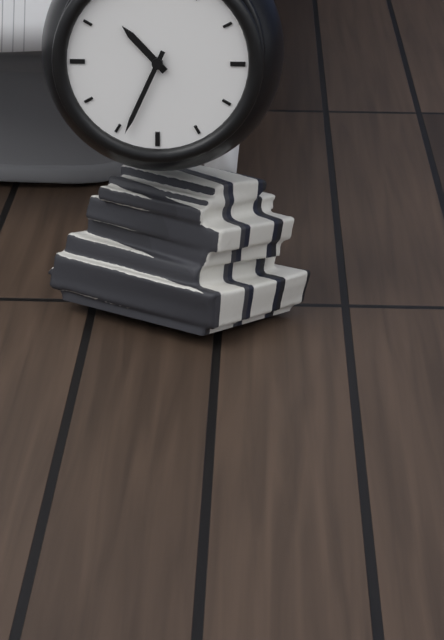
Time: **10:34**
